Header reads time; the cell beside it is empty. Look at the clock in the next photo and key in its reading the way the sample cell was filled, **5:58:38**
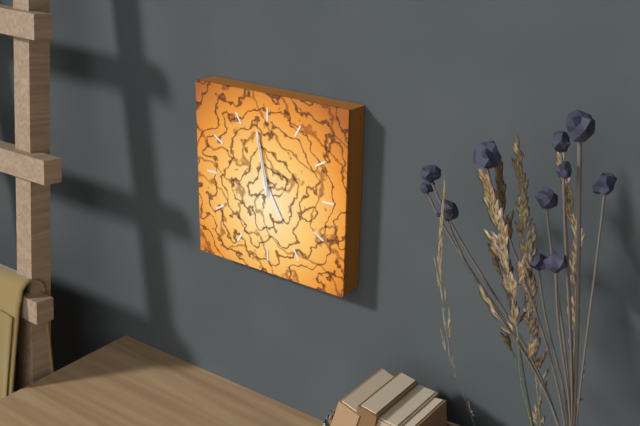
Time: **4:58:58**
